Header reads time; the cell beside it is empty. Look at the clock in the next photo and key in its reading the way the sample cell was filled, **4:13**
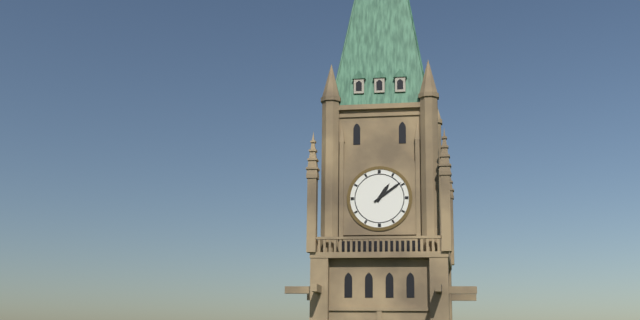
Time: **1:09**
